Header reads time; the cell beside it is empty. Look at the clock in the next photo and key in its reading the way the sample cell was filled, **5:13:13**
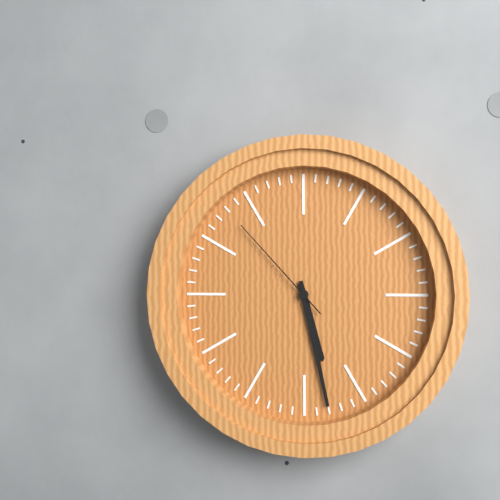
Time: **5:28:53**
